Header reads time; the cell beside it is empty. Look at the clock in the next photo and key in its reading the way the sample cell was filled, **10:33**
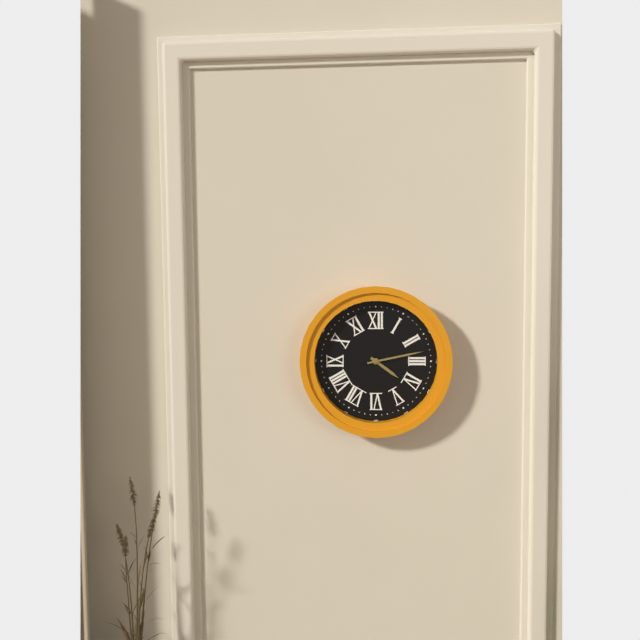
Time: **4:13**
